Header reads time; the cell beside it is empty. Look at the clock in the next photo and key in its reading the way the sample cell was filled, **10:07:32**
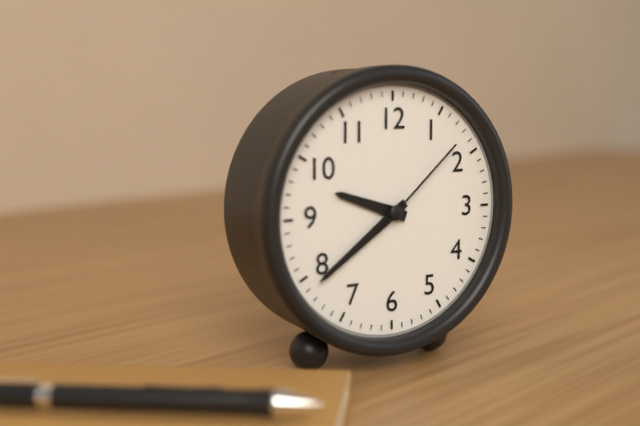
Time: **9:39:08**
